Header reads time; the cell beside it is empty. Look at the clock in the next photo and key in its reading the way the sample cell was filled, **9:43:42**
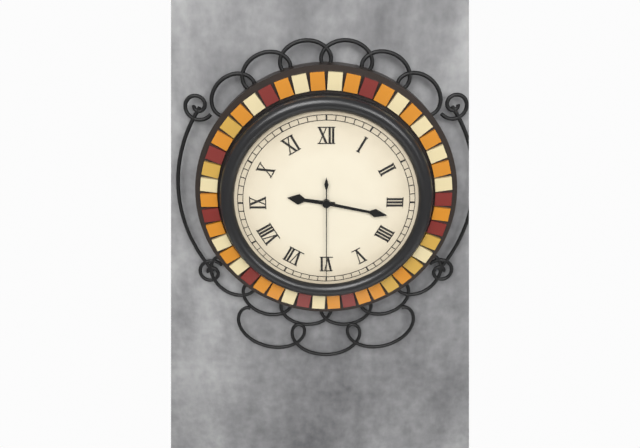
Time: **9:17:30**
